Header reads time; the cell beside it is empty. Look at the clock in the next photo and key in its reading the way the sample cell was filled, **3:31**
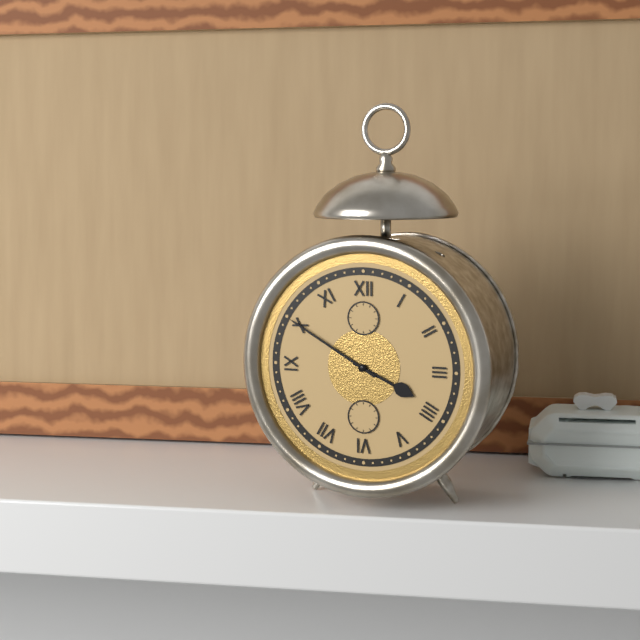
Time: **3:50**
